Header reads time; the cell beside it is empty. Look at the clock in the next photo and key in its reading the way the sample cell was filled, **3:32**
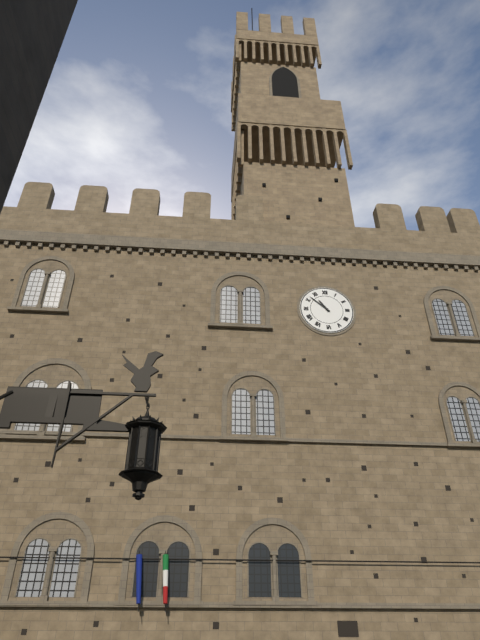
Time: **10:52**
